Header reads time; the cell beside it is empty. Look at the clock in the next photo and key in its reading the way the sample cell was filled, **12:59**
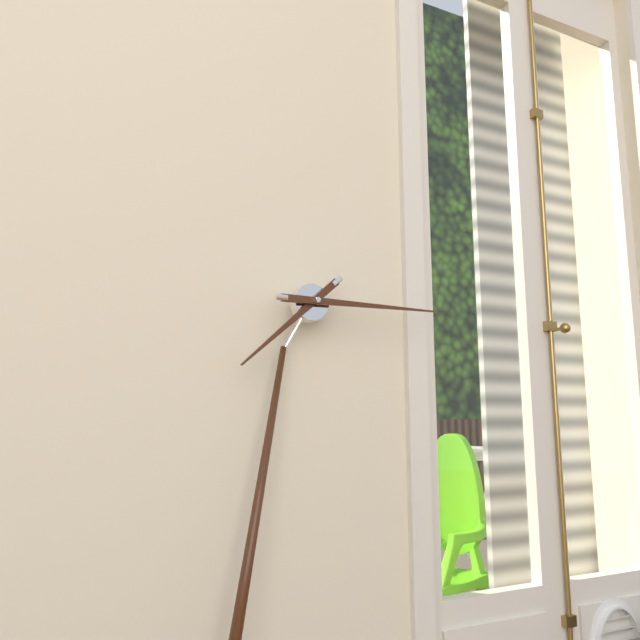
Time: **7:13**
